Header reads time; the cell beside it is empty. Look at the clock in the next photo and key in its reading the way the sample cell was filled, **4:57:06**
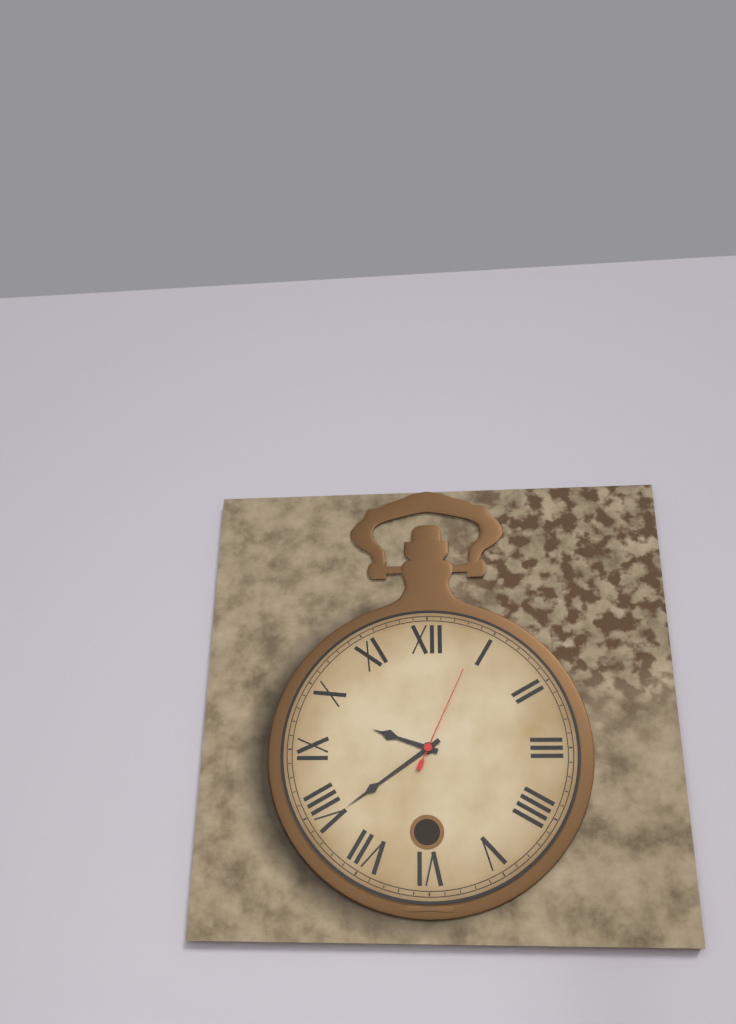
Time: **9:39:04**
